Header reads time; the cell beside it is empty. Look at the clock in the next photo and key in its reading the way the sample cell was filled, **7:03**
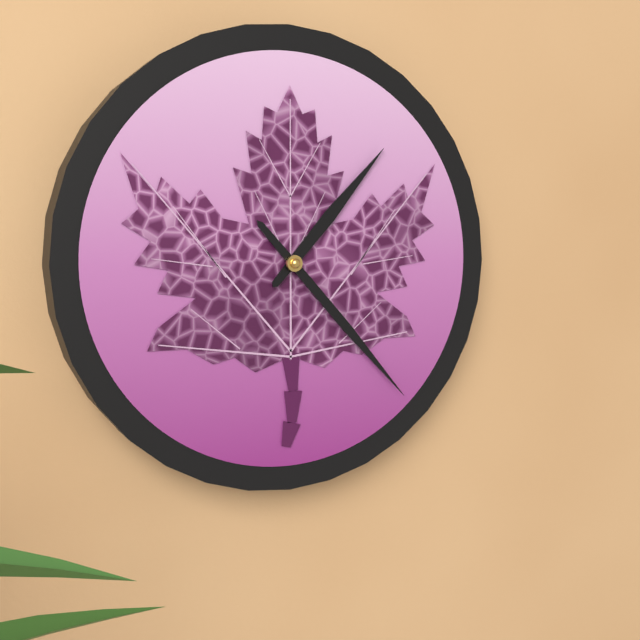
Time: **1:23**
